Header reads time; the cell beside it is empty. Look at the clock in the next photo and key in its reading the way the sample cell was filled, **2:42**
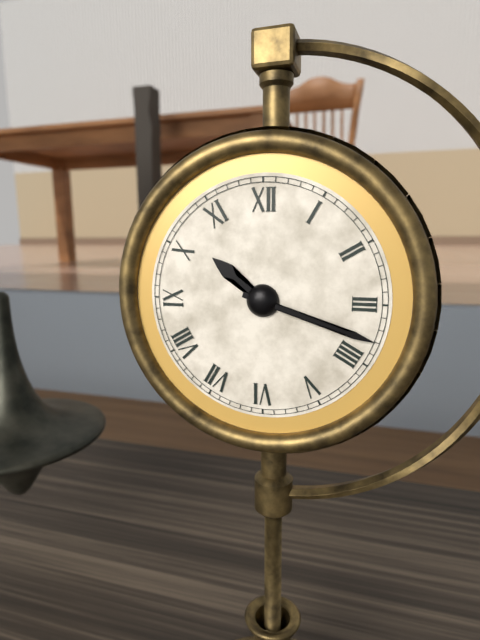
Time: **10:18**
